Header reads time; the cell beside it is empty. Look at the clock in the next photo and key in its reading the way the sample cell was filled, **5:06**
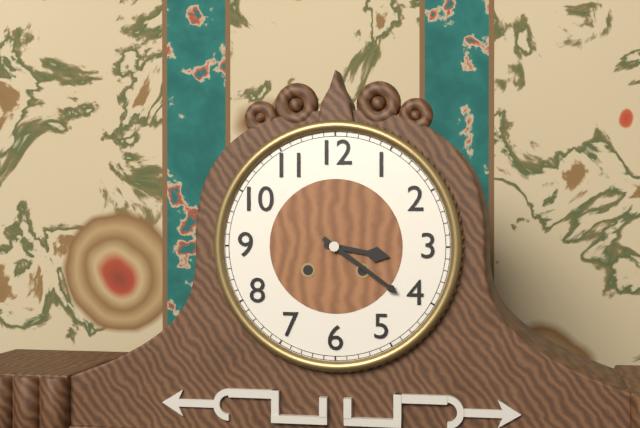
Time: **3:21**
